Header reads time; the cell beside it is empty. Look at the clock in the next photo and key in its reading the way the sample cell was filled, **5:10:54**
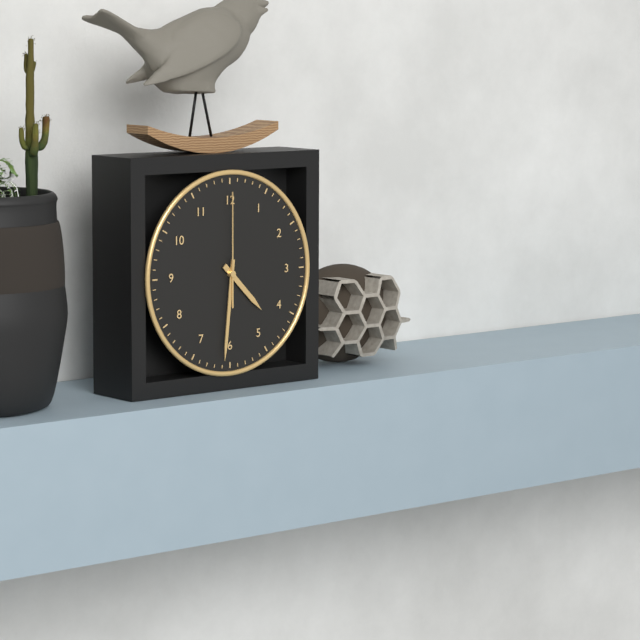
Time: **4:31:00**
